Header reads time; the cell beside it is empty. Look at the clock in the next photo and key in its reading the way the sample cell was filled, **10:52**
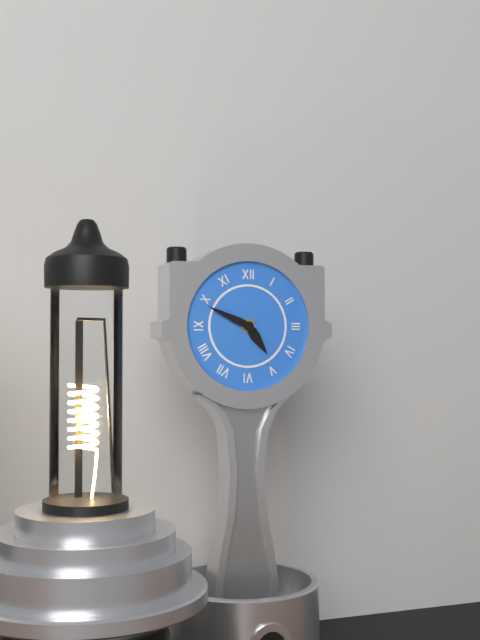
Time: **4:49**
